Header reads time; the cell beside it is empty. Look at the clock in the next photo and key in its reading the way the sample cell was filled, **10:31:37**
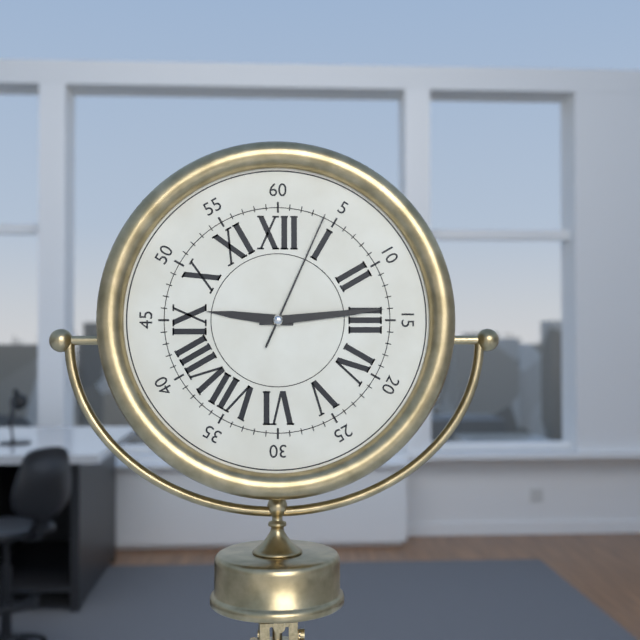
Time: **9:14:04**
